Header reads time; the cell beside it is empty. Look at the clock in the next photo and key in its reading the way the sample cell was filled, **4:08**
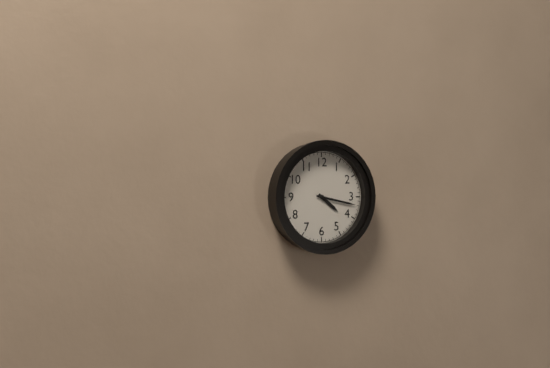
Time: **4:17**
